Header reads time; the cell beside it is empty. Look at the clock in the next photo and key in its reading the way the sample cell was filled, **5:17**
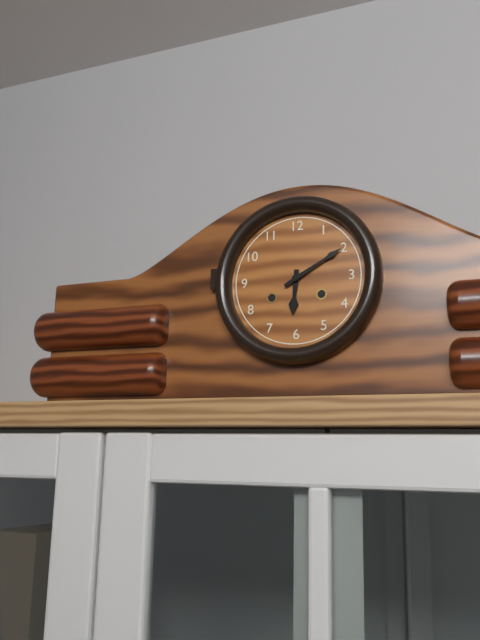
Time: **6:10**
